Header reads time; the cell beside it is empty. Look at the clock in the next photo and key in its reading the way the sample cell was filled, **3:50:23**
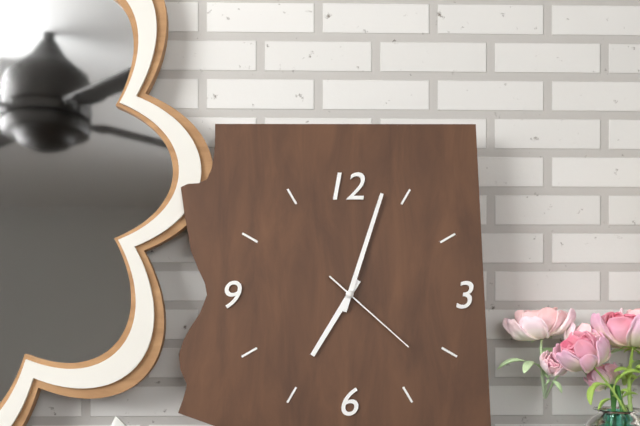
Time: **7:03:22**
